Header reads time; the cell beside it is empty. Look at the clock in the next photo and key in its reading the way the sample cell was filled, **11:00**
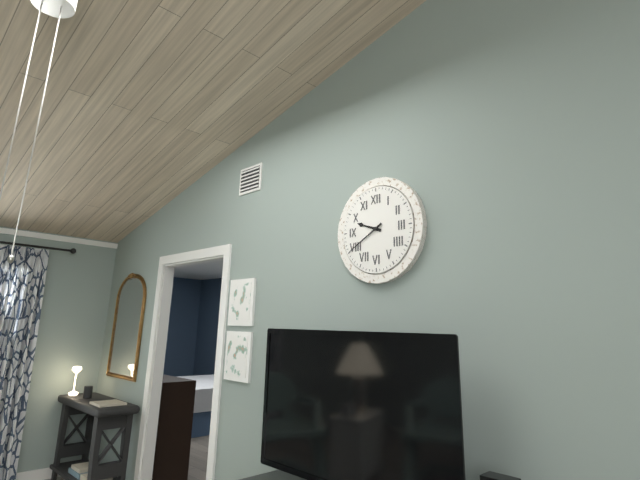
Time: **9:40**
